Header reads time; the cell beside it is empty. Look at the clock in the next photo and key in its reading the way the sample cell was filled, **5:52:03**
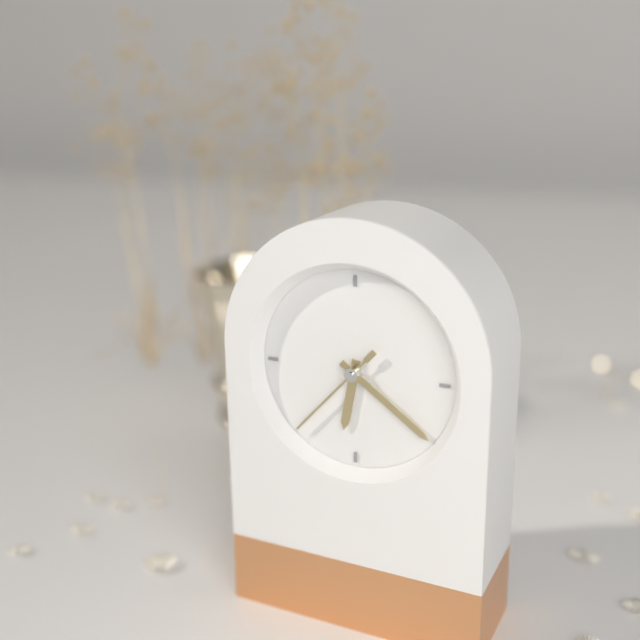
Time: **6:21:37**
